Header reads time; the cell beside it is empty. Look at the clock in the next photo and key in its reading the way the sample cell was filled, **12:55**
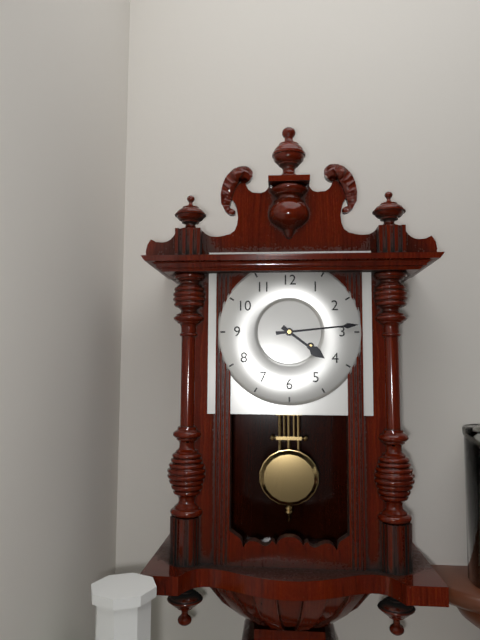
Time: **4:14**
